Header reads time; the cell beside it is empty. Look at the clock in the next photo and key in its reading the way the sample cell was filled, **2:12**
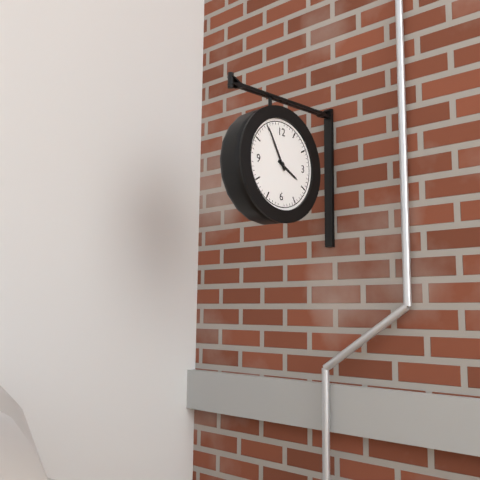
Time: **3:55**
